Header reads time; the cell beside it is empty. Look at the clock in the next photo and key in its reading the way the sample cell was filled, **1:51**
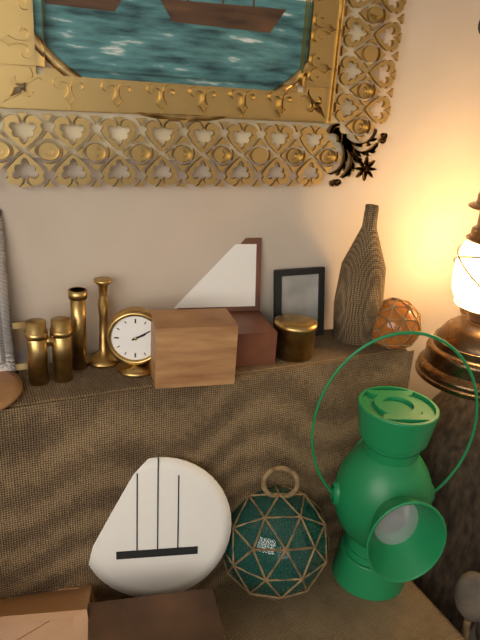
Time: **2:10**
